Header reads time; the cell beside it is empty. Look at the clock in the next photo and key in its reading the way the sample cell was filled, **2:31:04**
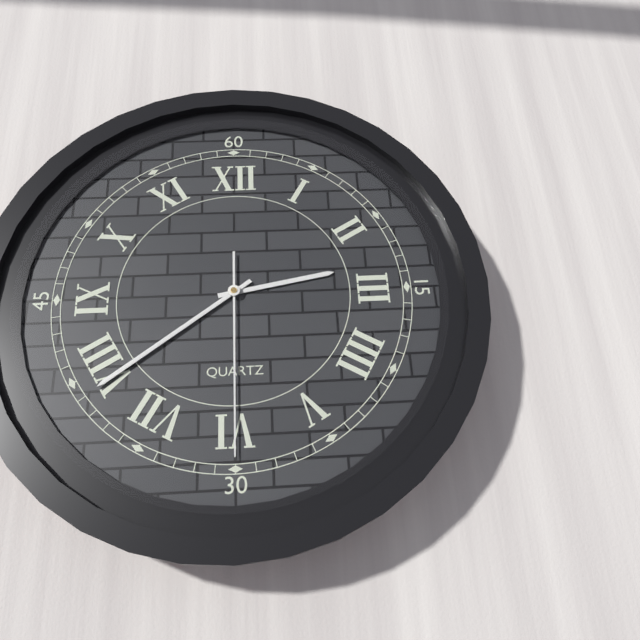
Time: **2:39:30**
